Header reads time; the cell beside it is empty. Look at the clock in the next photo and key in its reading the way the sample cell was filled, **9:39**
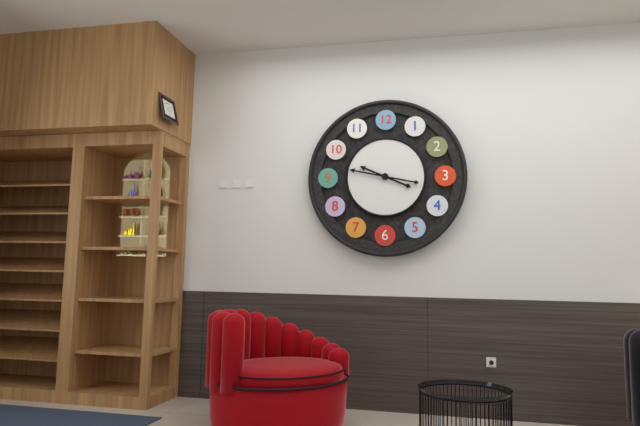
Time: **9:47**
